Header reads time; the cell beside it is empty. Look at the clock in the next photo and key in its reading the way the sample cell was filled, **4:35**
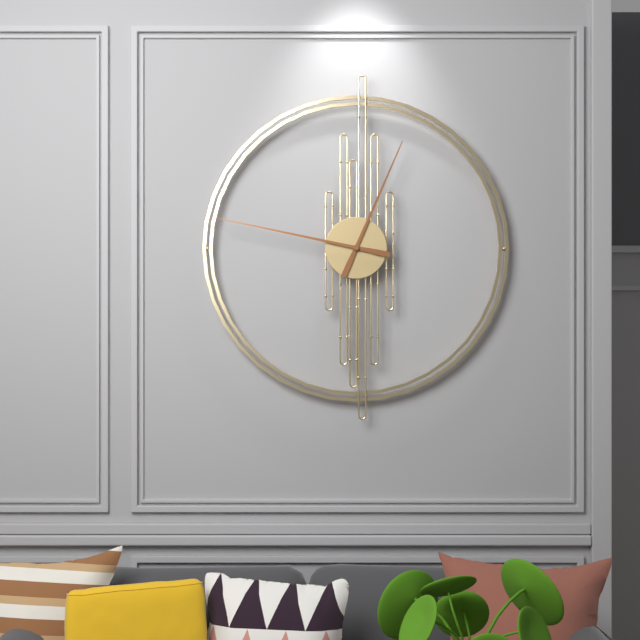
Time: **12:47**
